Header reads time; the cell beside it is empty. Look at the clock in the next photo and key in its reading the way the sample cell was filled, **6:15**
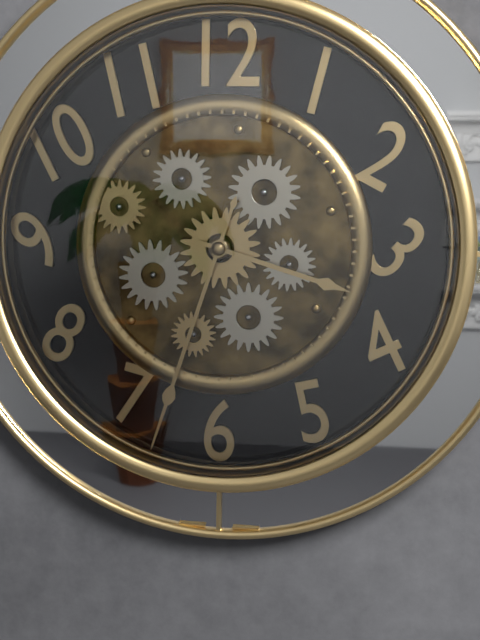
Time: **3:33**
